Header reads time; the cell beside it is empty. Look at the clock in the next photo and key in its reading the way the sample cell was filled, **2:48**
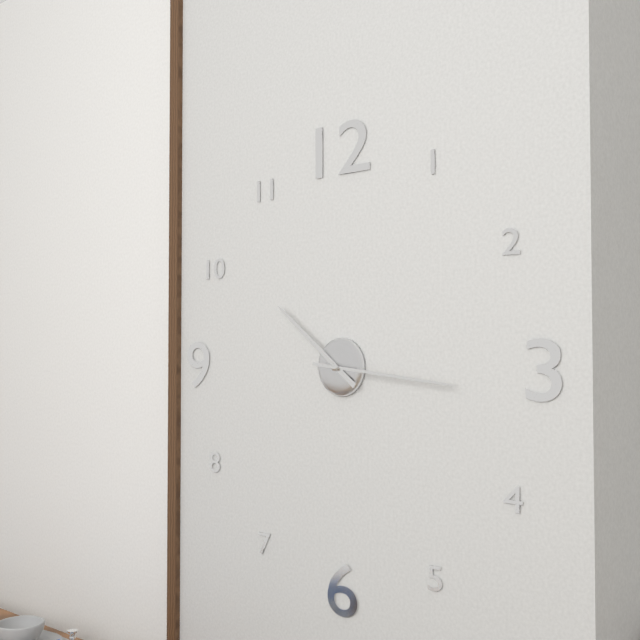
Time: **10:16**
